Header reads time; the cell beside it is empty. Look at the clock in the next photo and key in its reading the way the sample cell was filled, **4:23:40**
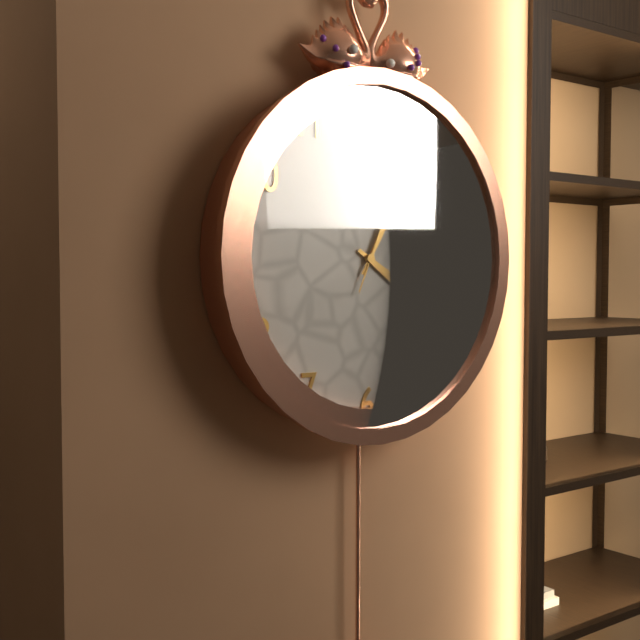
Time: **4:05:04**
